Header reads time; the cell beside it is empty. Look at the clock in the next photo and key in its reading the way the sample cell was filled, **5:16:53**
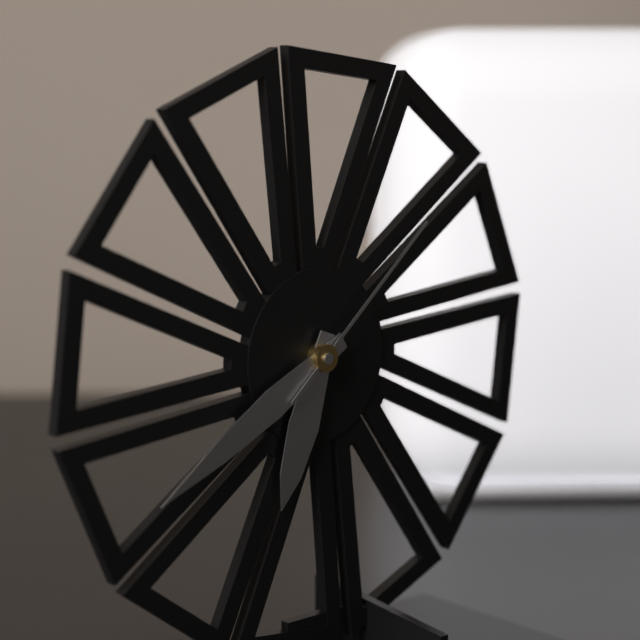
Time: **6:40:08**
